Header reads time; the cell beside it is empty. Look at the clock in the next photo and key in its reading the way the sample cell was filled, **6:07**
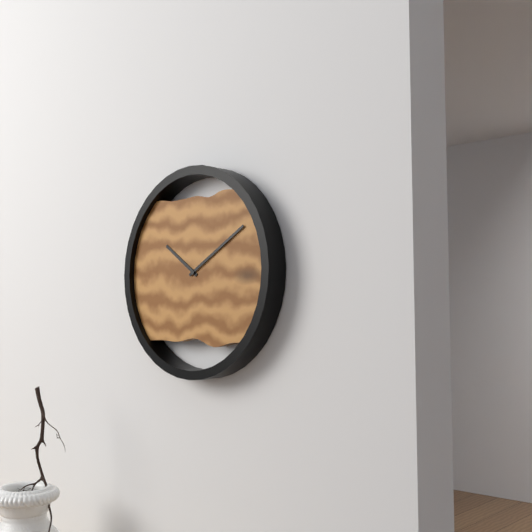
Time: **10:10**
